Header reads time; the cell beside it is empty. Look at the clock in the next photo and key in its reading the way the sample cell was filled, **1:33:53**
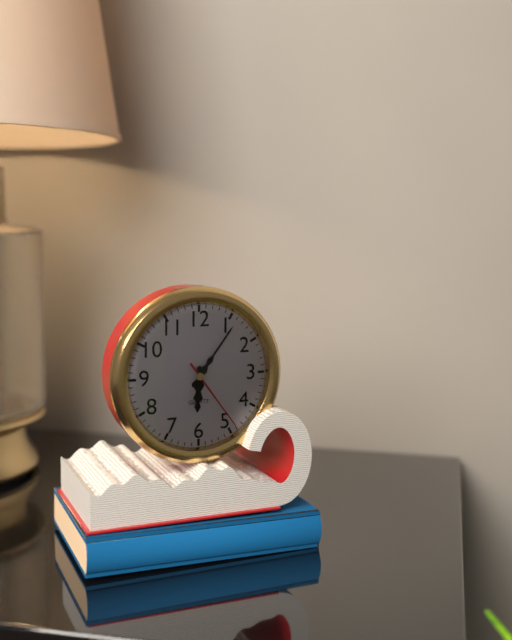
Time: **6:06:24**
